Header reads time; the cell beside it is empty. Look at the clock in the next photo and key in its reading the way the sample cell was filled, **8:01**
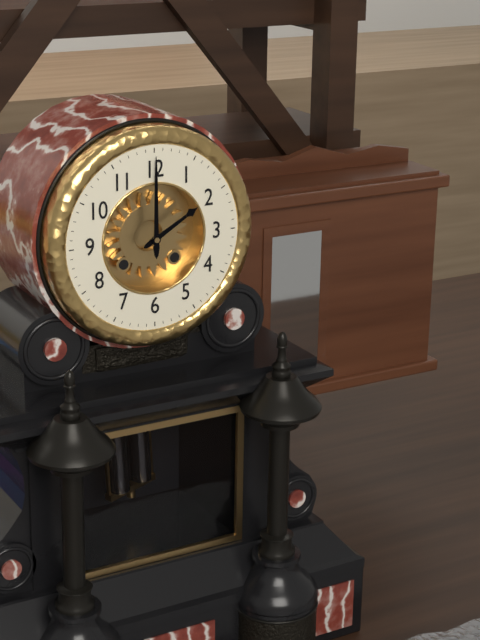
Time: **2:00**
